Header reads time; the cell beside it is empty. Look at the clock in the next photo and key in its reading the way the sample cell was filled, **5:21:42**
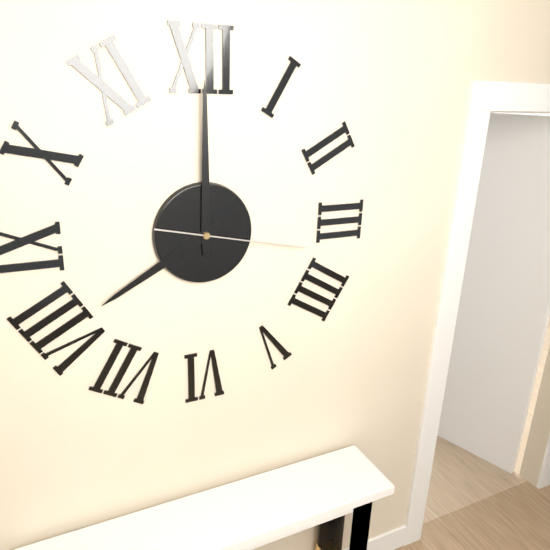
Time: **8:00:17**
